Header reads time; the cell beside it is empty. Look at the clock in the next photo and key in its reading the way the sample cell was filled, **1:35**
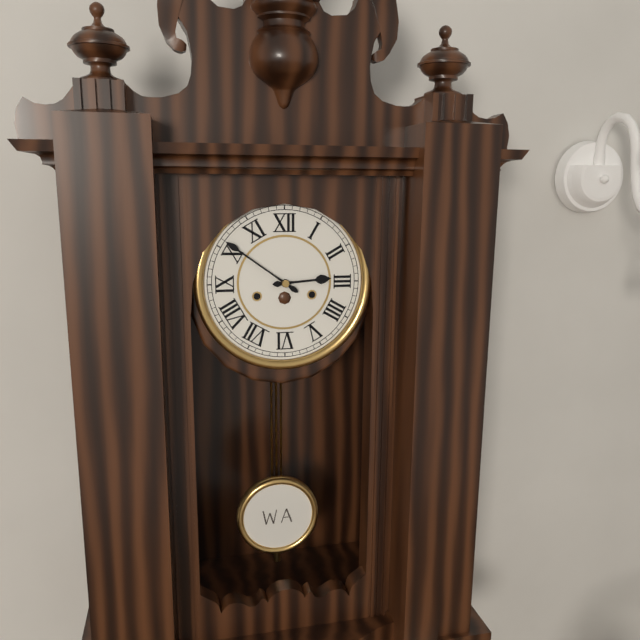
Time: **2:51**
